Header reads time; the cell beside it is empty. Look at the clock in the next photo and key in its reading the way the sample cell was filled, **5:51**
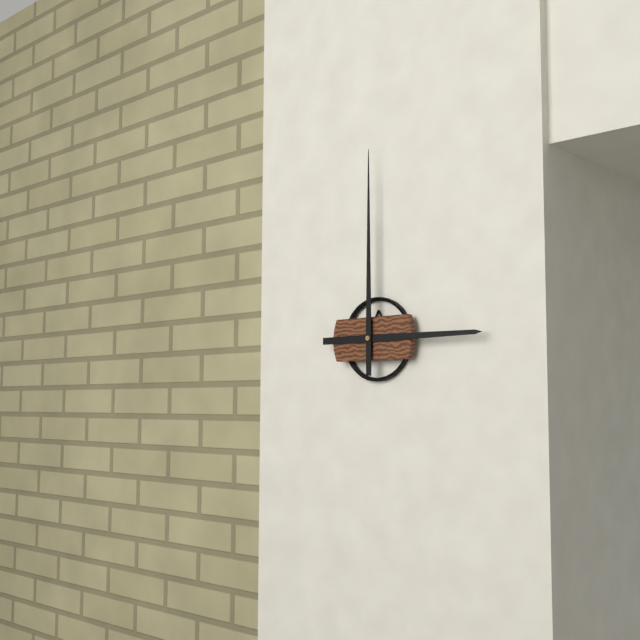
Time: **3:00**
